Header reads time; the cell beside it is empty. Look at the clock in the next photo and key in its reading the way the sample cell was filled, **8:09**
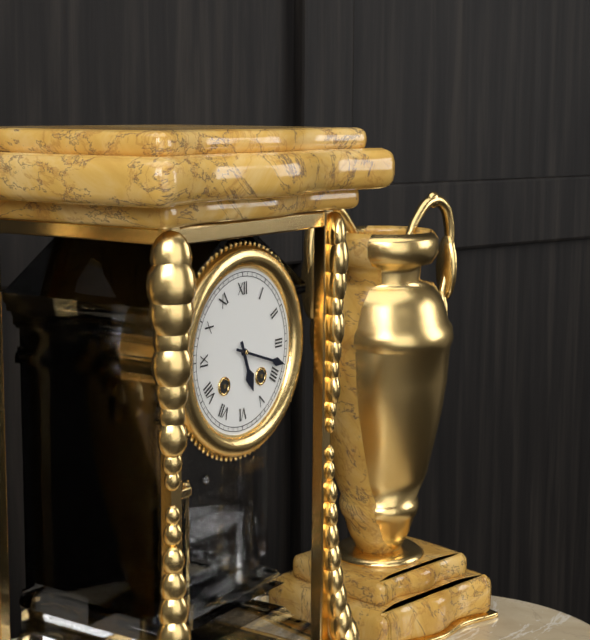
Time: **5:18**
